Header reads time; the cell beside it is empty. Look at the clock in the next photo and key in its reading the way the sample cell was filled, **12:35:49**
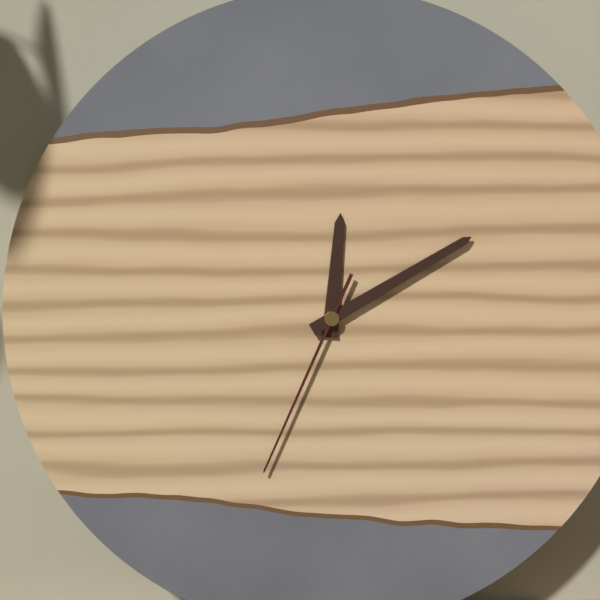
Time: **12:10:34**
